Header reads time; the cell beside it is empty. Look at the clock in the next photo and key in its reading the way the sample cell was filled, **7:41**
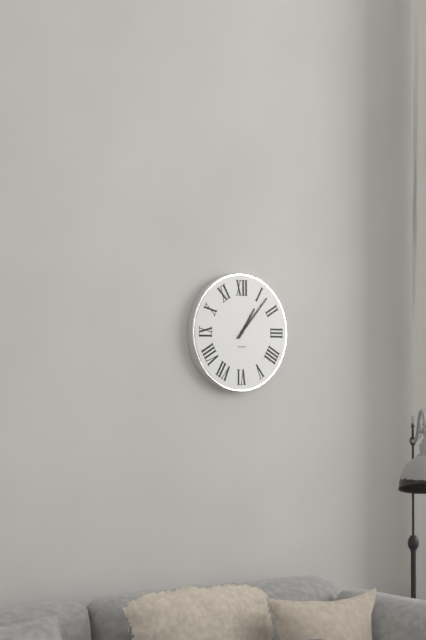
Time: **1:07**
